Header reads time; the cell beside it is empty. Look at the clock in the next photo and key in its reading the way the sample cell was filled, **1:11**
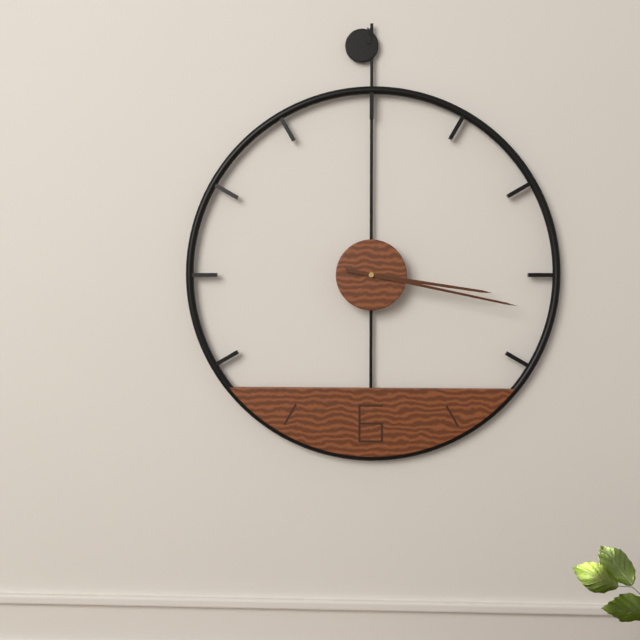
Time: **3:17**
